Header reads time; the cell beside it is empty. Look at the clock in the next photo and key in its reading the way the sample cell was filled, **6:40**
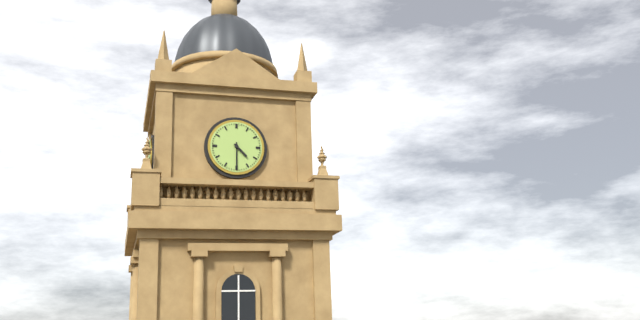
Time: **4:30**
